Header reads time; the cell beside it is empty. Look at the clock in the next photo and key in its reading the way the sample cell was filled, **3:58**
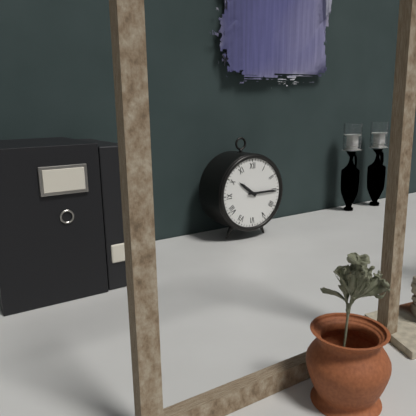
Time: **10:15**
